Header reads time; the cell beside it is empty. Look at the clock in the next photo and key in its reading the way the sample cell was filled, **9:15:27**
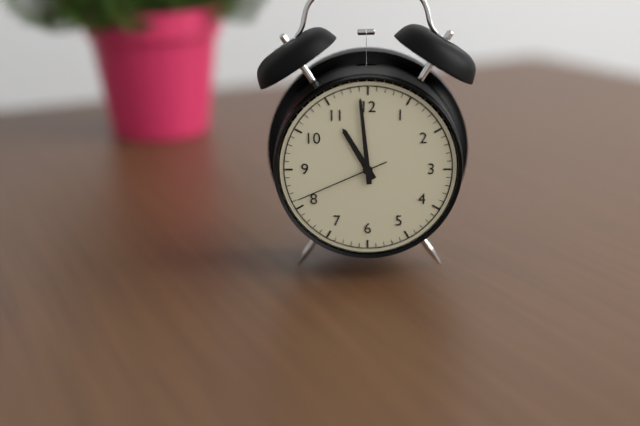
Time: **10:59:41**
